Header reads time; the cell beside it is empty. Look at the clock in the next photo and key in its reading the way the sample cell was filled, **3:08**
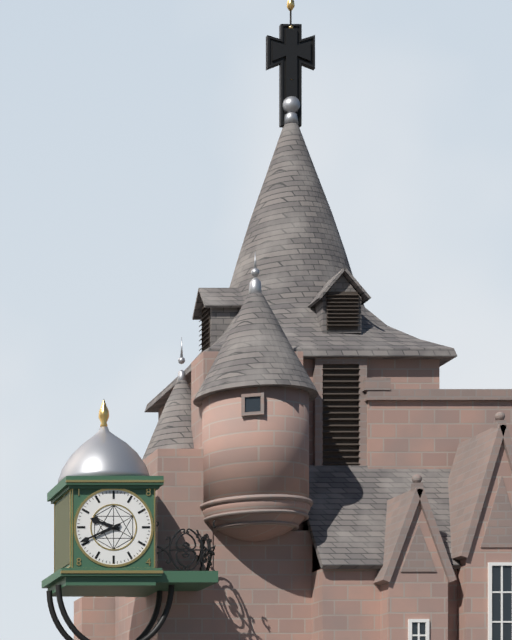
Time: **9:41**
